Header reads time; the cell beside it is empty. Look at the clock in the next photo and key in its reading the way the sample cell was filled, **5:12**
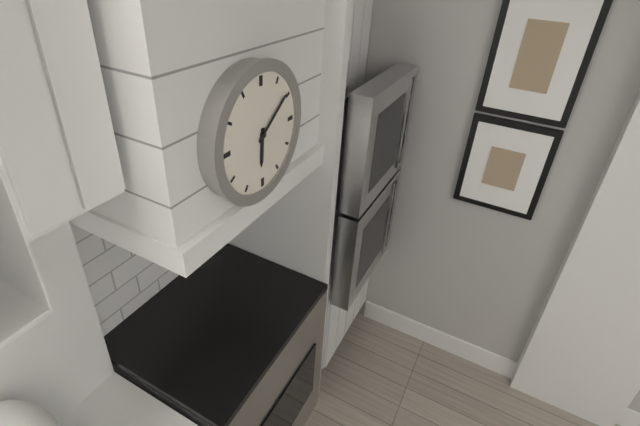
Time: **6:09**
